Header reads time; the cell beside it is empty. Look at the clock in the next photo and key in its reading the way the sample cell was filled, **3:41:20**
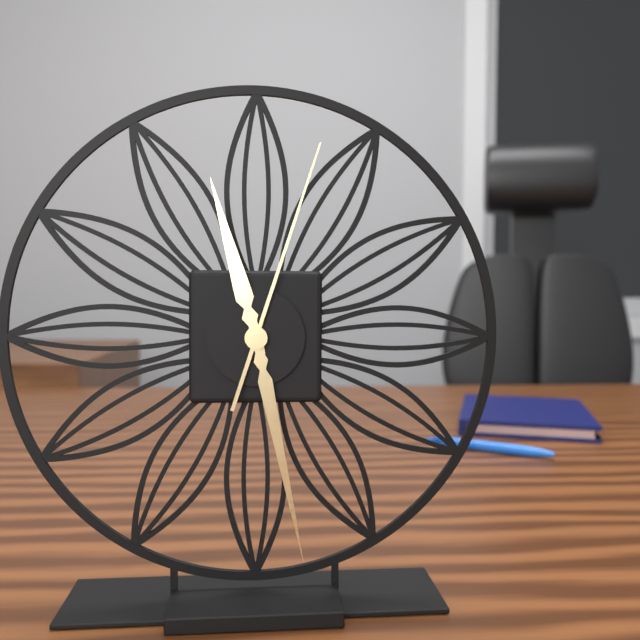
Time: **11:28:03**
